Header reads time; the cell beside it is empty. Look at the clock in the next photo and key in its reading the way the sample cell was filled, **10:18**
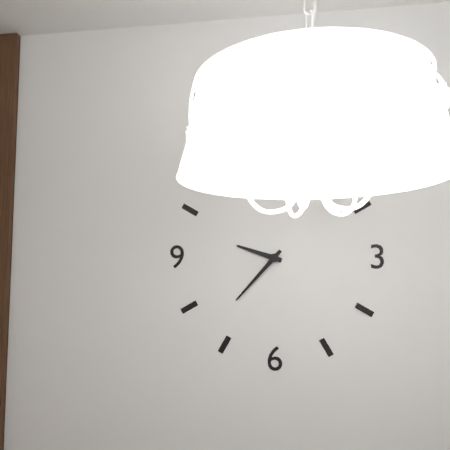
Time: **9:37**
